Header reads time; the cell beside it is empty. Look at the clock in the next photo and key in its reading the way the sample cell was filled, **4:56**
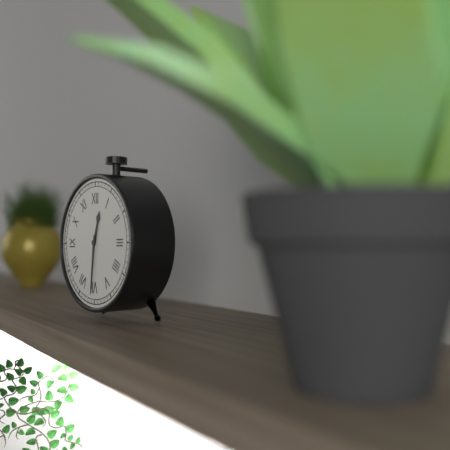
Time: **12:31**
